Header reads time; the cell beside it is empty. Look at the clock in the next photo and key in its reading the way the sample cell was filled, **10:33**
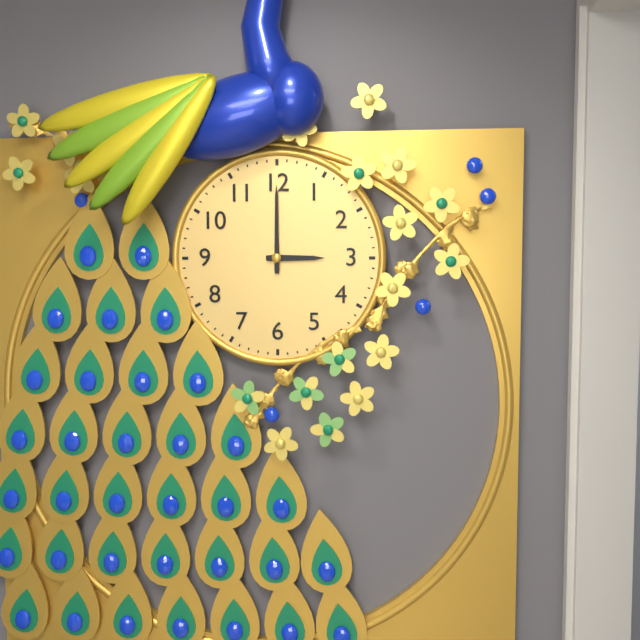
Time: **3:00**
